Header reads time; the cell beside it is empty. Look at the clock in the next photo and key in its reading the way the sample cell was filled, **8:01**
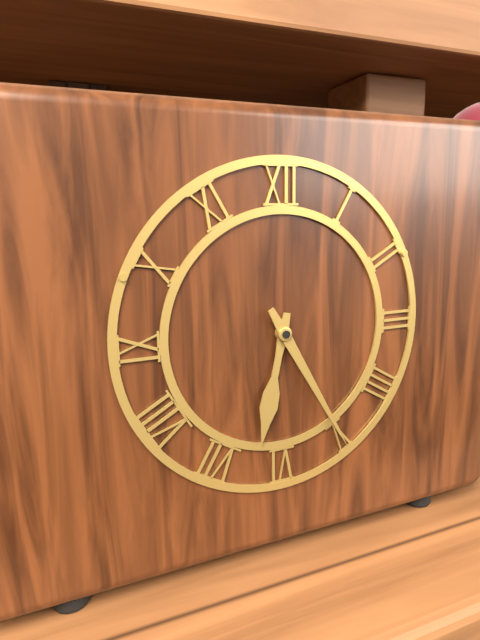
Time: **6:25**
